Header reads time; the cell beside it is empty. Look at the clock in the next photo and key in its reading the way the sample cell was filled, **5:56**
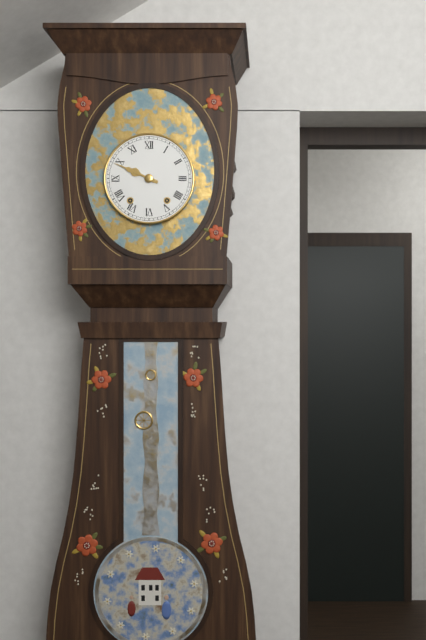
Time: **9:49**
